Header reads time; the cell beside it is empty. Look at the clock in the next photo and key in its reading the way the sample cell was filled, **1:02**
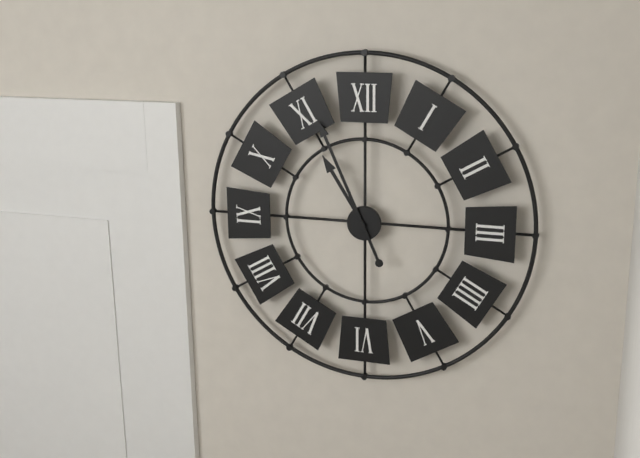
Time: **10:56**
